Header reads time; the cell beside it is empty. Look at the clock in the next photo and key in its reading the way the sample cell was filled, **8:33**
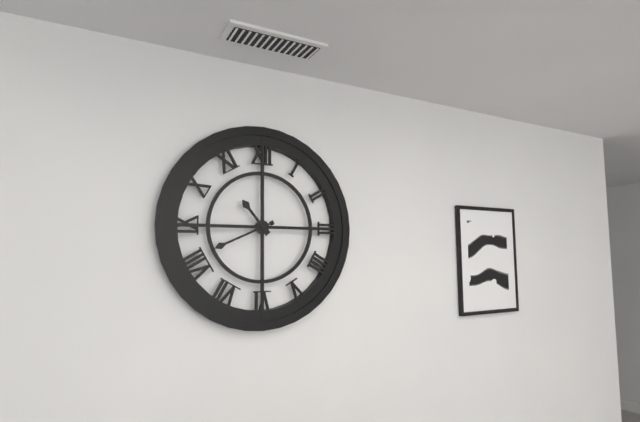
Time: **10:41**
